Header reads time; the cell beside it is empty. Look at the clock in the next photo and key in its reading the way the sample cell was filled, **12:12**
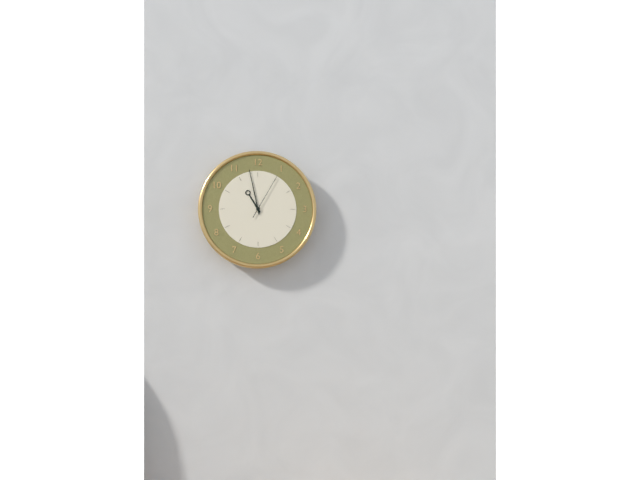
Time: **10:58**
